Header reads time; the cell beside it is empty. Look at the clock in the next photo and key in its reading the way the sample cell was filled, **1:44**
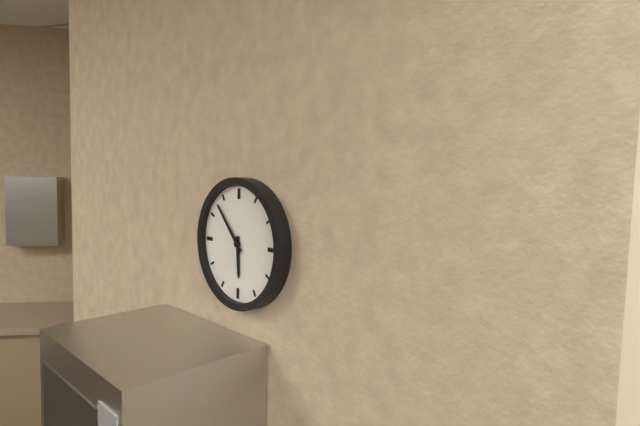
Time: **5:53**
